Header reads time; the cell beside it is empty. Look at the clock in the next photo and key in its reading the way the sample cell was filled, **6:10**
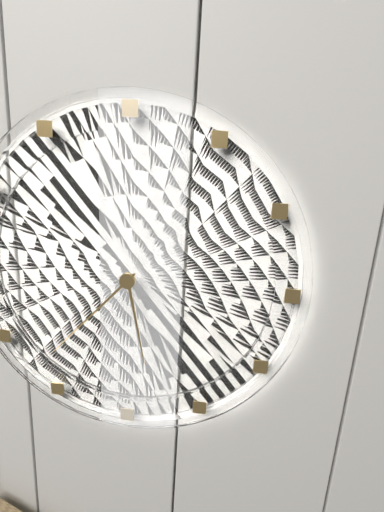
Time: **5:37**
